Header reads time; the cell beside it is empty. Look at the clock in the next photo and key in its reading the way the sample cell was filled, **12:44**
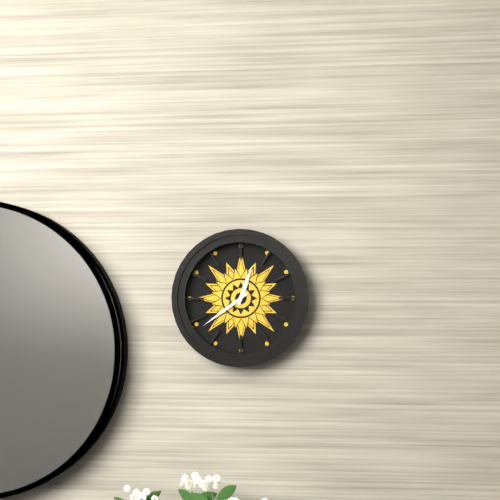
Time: **12:39**
